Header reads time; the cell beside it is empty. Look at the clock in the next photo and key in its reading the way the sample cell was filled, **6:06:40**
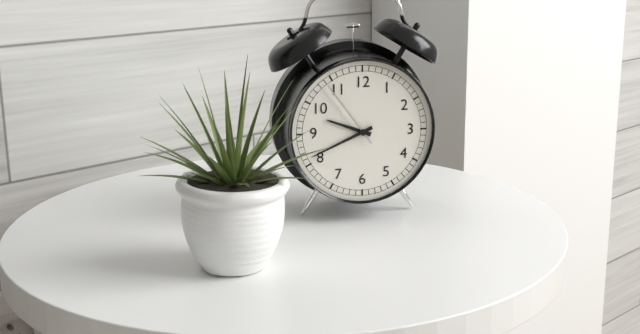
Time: **9:41:54**
